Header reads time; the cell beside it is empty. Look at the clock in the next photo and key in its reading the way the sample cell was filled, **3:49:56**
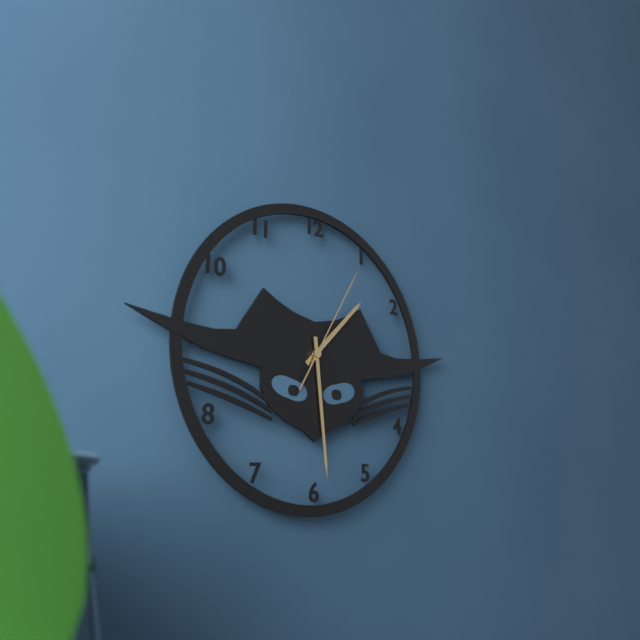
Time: **1:29:05**
